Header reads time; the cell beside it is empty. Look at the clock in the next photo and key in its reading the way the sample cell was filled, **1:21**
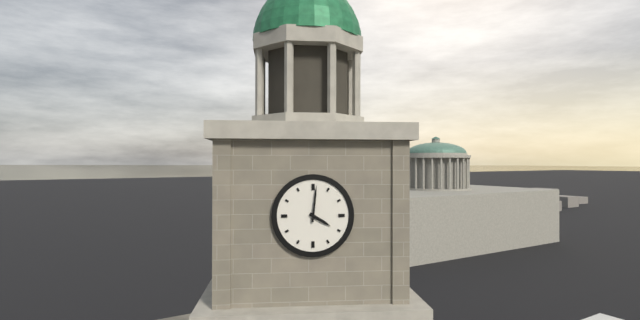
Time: **4:01**
